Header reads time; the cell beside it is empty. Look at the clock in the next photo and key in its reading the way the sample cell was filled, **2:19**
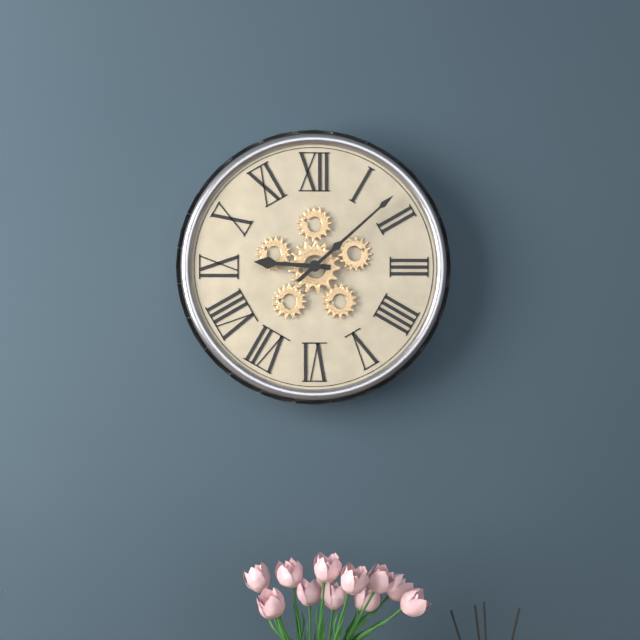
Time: **9:08**
